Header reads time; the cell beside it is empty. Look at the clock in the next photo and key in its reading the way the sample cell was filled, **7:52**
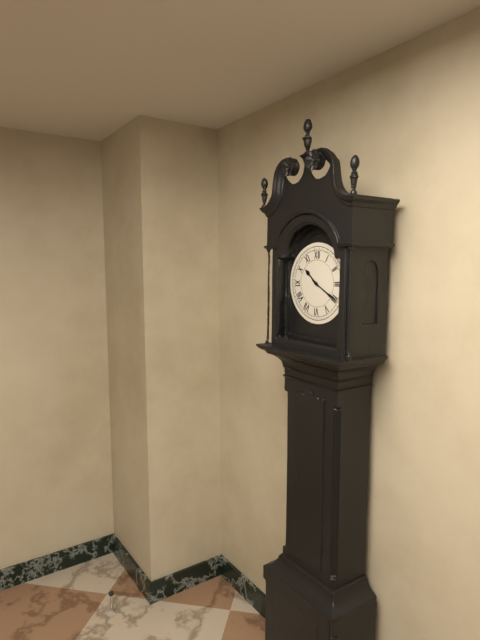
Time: **10:20**
